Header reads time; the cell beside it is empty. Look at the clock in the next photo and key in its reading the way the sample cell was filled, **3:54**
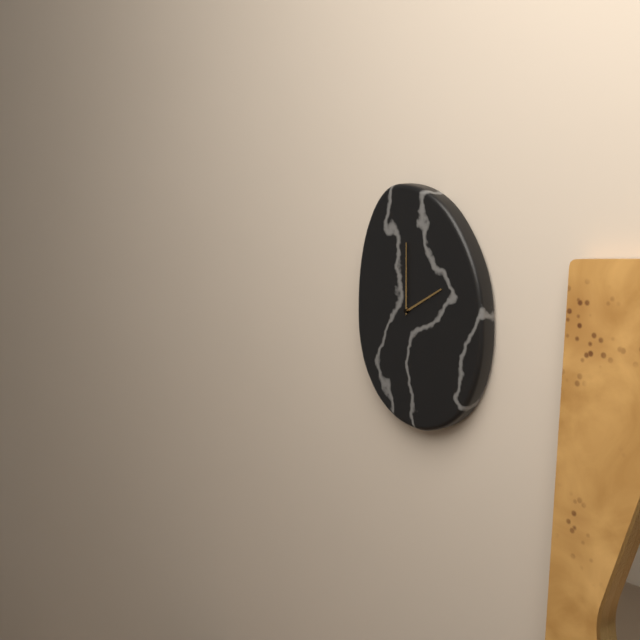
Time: **2:00**
